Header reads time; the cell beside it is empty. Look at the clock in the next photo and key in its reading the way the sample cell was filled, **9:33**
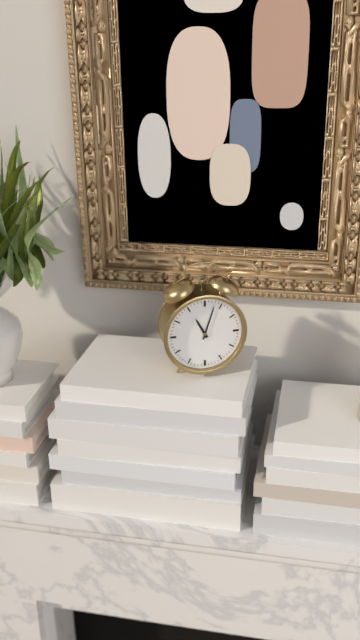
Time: **11:03**
